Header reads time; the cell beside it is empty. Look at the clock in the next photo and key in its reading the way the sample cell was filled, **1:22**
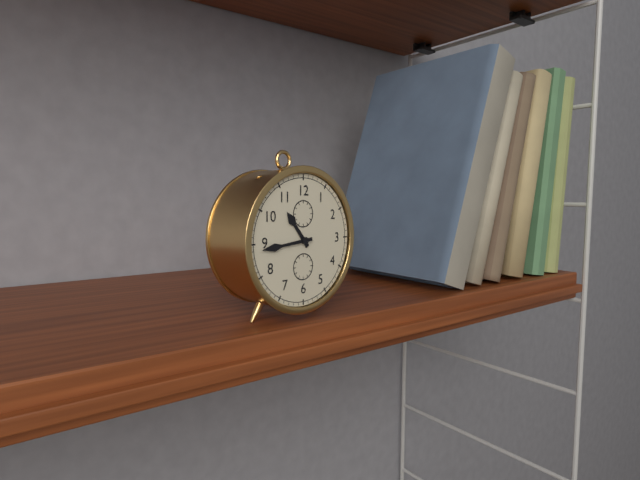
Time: **10:44**
